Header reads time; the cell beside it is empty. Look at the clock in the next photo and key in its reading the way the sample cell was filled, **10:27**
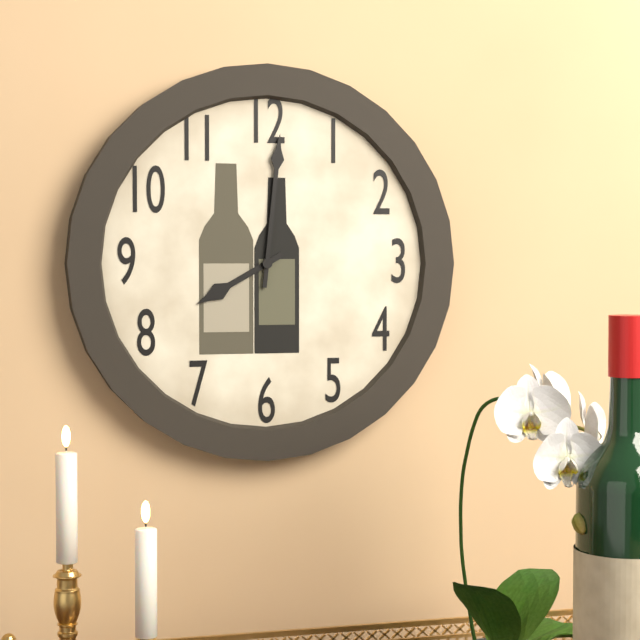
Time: **8:01**
